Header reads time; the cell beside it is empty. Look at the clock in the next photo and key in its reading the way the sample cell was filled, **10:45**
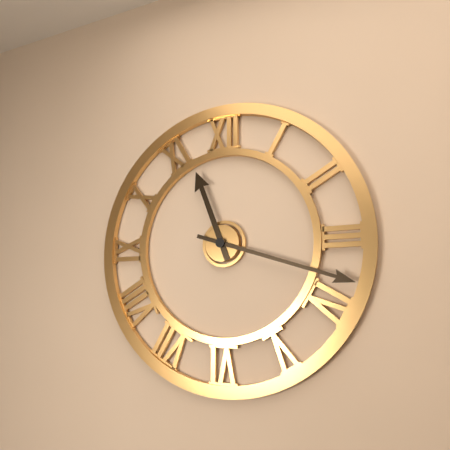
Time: **11:18**
